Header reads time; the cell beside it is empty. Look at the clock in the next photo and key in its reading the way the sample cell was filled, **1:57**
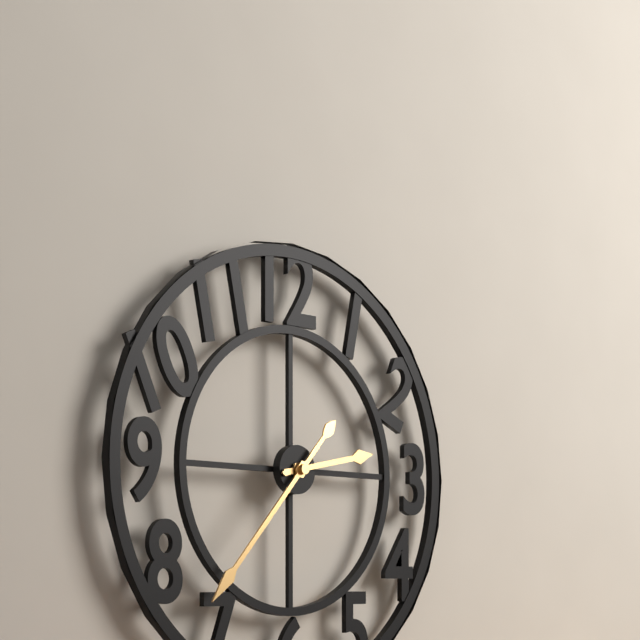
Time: **2:37**
